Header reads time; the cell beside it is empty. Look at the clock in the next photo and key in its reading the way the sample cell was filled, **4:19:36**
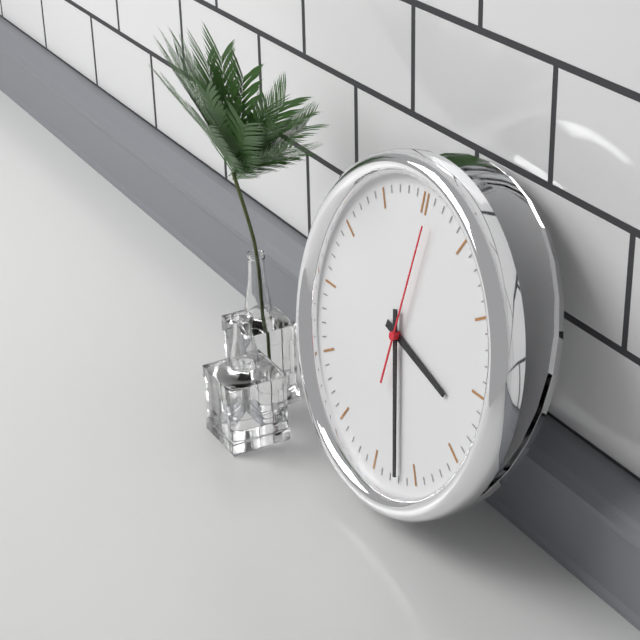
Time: **3:27:01**
